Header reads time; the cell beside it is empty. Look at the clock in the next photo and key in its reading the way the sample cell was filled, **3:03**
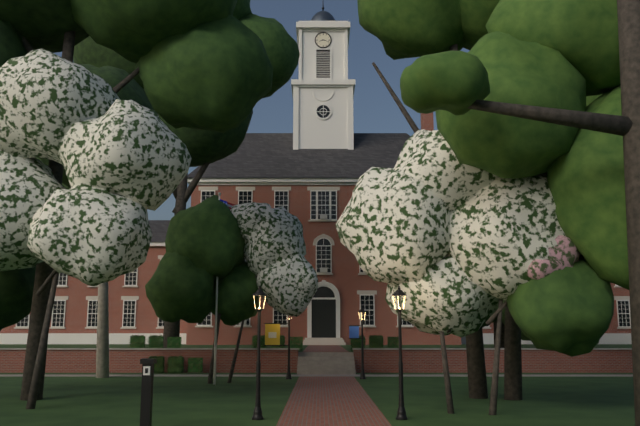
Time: **8:18**
